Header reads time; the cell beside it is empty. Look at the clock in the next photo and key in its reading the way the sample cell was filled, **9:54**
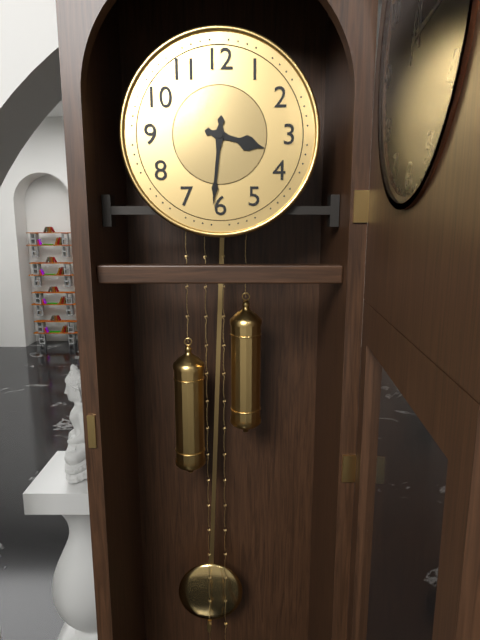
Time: **3:31**
